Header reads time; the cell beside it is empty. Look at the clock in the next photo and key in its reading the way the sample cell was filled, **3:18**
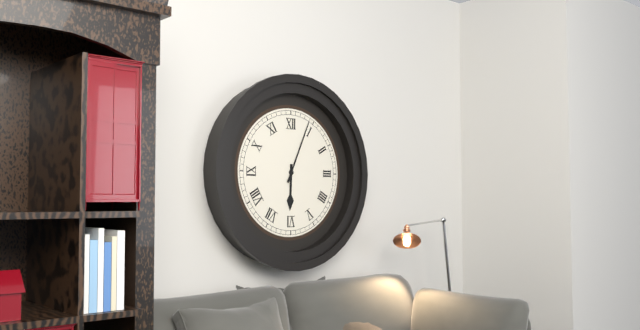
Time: **6:04**
